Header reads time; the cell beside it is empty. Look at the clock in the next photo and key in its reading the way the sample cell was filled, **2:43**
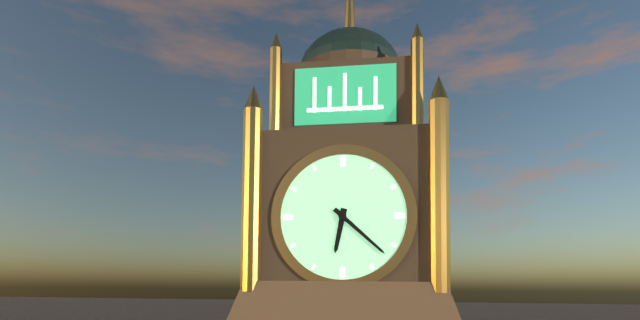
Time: **6:22**
